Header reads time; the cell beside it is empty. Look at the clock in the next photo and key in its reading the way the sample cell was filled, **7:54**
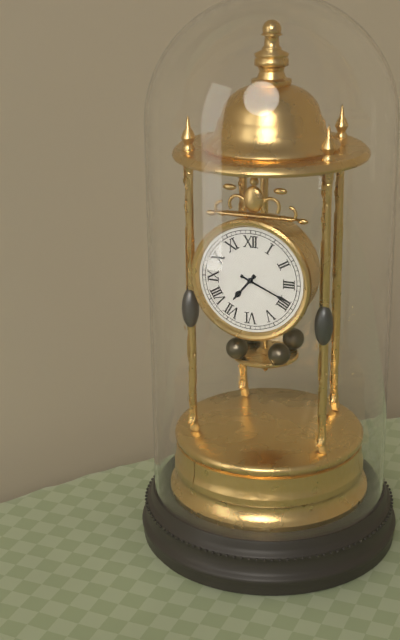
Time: **7:19**
